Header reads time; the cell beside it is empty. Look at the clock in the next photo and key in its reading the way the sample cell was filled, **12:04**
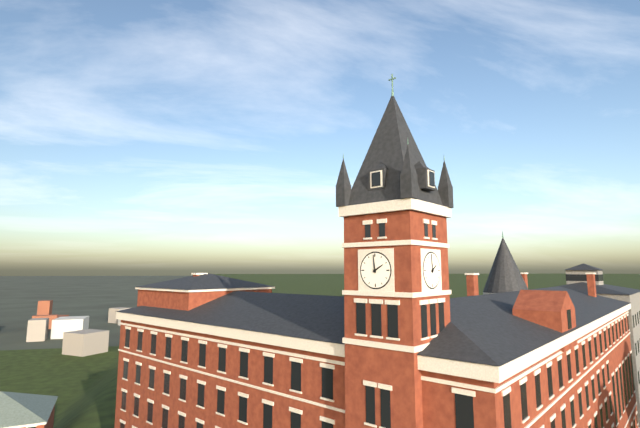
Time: **1:59**
